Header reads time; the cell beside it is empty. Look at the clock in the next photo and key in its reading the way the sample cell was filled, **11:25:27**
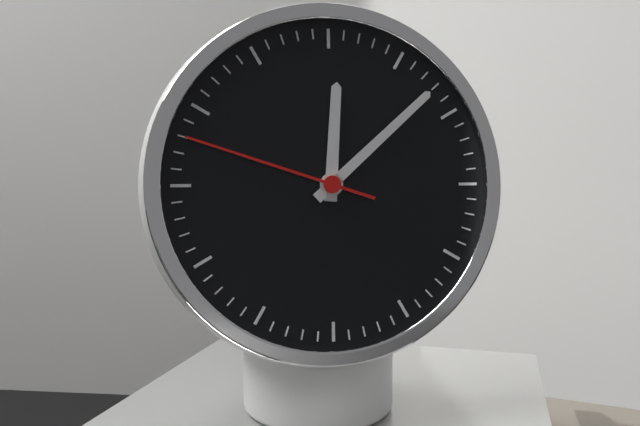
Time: **12:08:48**
